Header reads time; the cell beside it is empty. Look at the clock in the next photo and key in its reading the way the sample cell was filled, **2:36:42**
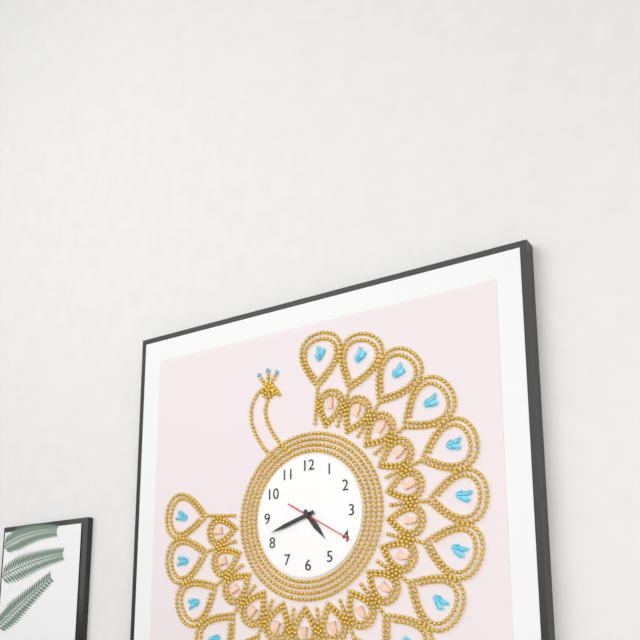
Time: **4:42:20**
